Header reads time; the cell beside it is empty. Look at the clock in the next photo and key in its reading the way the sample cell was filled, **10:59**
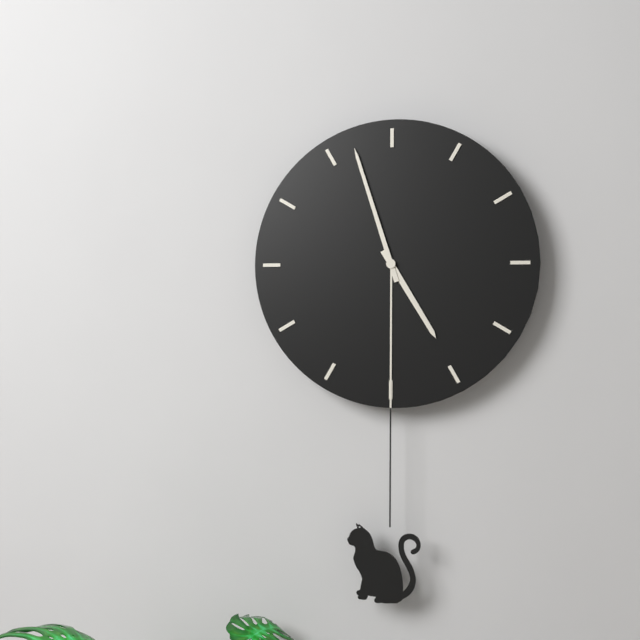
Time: **4:57**
